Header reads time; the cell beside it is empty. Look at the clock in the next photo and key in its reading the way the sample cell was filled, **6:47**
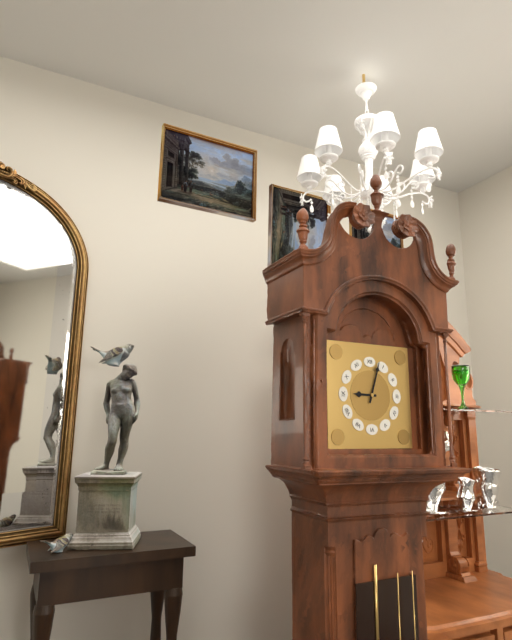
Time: **9:03**
